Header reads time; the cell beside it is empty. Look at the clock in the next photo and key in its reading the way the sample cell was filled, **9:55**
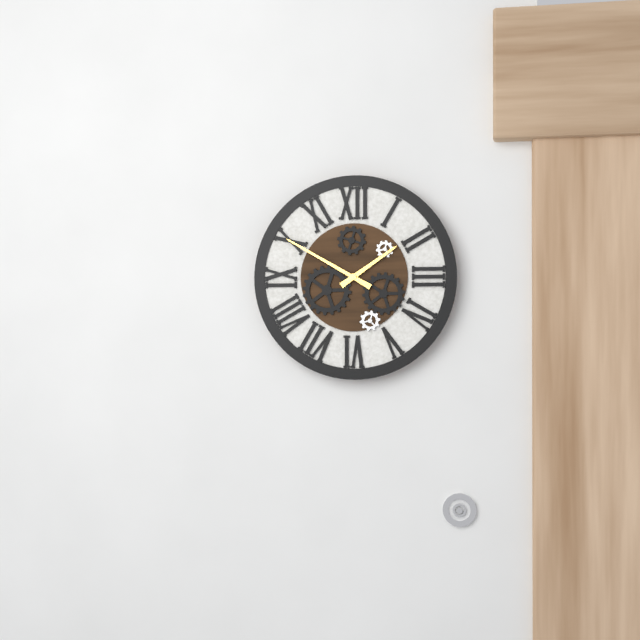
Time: **1:50**
